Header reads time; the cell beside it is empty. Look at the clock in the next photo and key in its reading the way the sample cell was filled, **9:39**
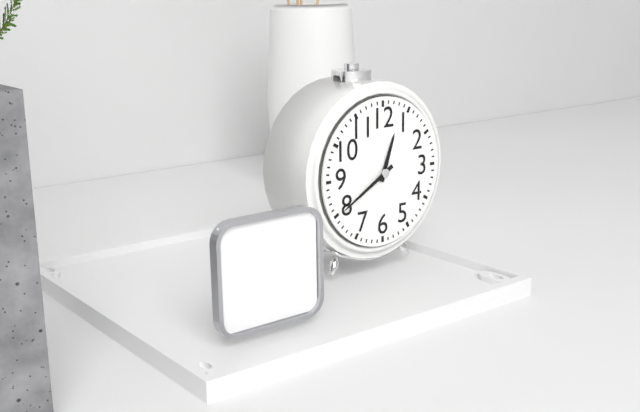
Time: **12:40**
